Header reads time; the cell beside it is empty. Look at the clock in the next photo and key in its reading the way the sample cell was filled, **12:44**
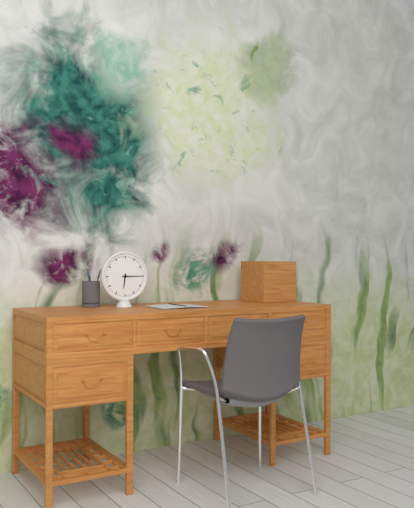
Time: **6:15**
